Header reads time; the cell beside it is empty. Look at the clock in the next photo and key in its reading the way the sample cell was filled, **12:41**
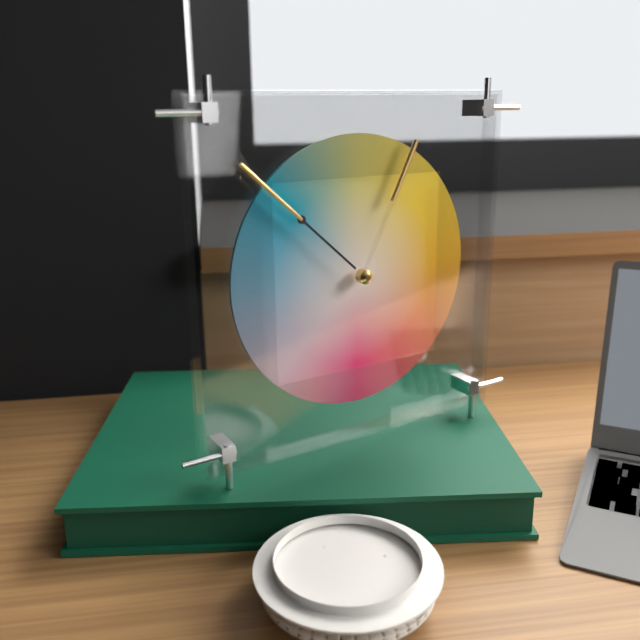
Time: **12:52**
